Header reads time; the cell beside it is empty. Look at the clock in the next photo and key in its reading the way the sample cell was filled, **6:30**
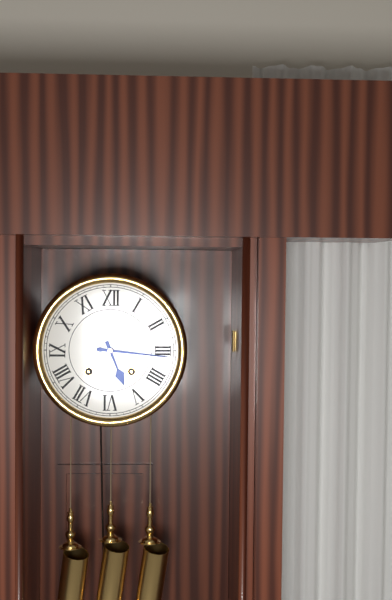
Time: **5:16**
